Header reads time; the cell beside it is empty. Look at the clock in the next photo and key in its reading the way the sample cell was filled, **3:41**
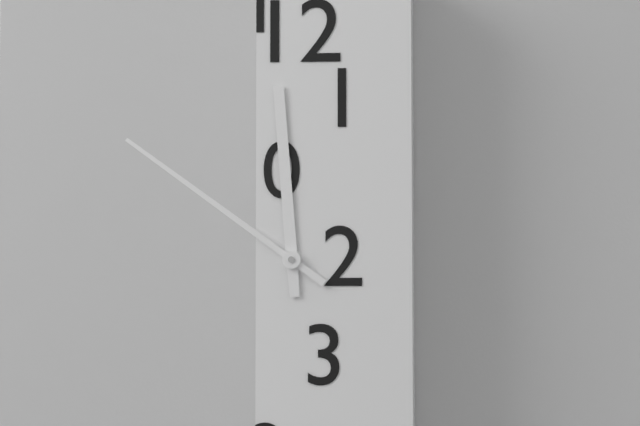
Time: **11:51**
